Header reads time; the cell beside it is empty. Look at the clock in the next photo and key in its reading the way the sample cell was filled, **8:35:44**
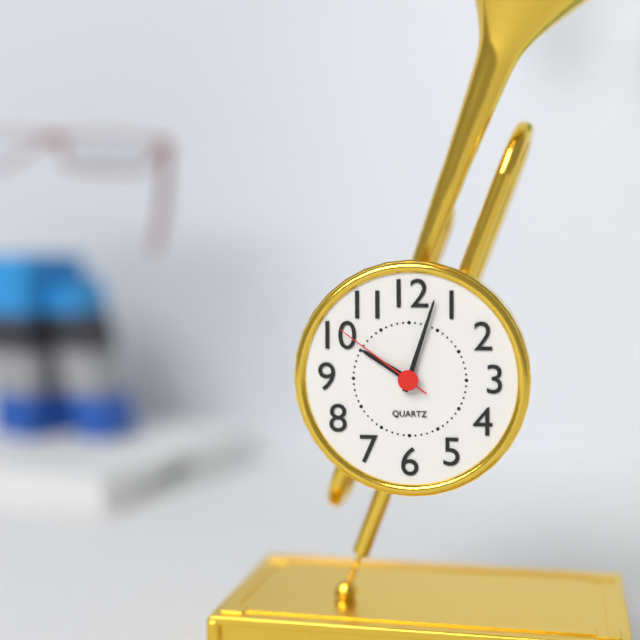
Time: **10:03:51**
